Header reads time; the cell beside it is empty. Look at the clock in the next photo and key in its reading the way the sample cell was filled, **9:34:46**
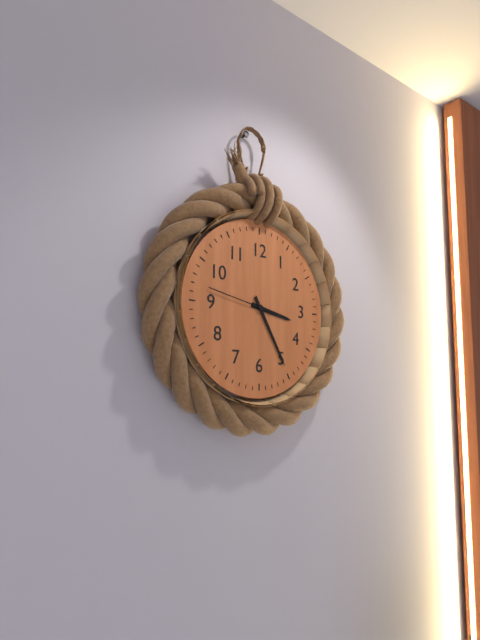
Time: **3:25:47**
